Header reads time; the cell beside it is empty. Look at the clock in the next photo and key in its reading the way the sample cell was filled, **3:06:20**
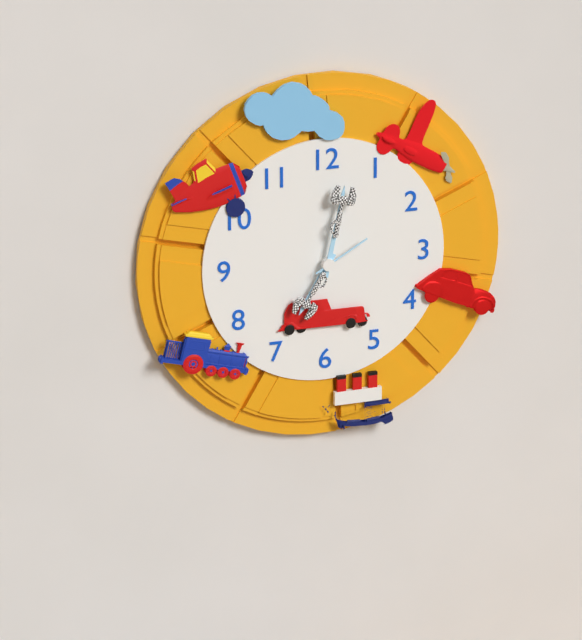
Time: **7:02:10**
